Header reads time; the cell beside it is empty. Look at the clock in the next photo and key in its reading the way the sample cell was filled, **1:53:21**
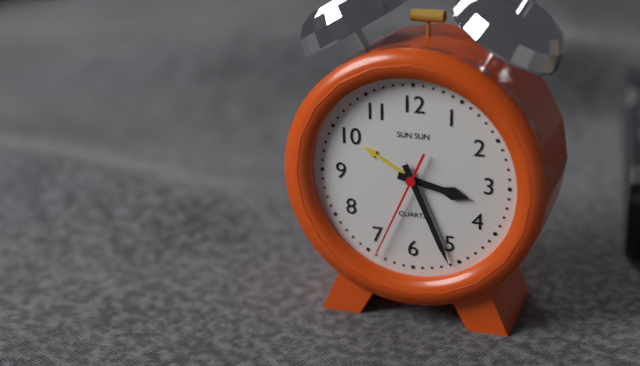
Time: **3:26:34**
